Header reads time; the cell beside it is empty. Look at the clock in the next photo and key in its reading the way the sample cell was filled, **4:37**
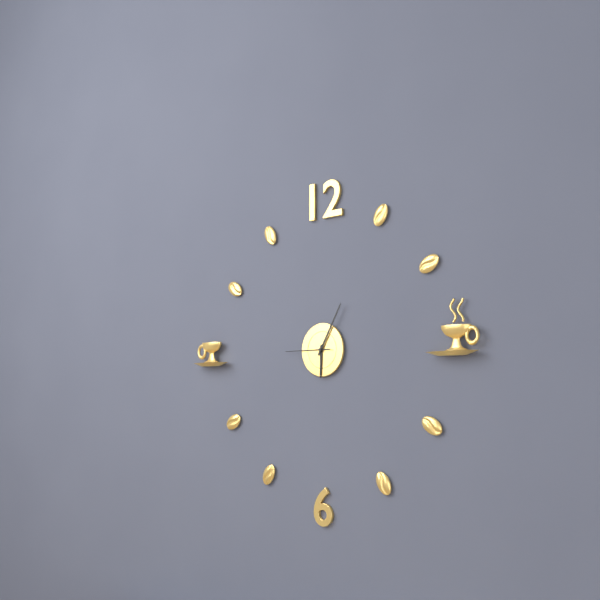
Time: **6:05**
